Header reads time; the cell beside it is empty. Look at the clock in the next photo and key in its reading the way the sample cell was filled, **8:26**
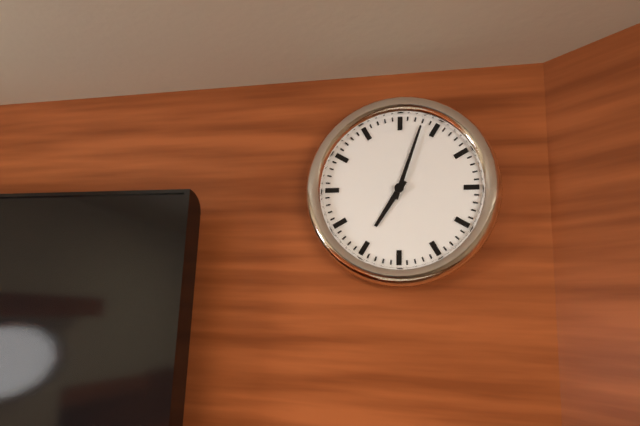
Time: **7:03**
